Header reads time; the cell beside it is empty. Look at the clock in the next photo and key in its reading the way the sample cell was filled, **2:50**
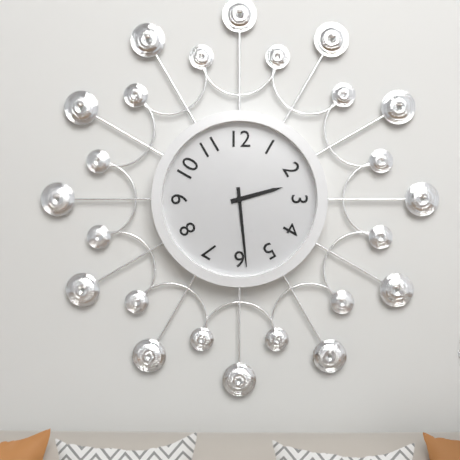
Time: **2:29**
